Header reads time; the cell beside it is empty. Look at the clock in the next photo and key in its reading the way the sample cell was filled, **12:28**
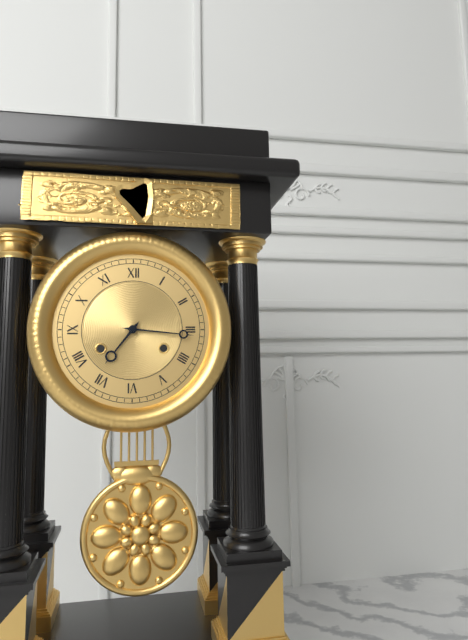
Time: **7:16**
